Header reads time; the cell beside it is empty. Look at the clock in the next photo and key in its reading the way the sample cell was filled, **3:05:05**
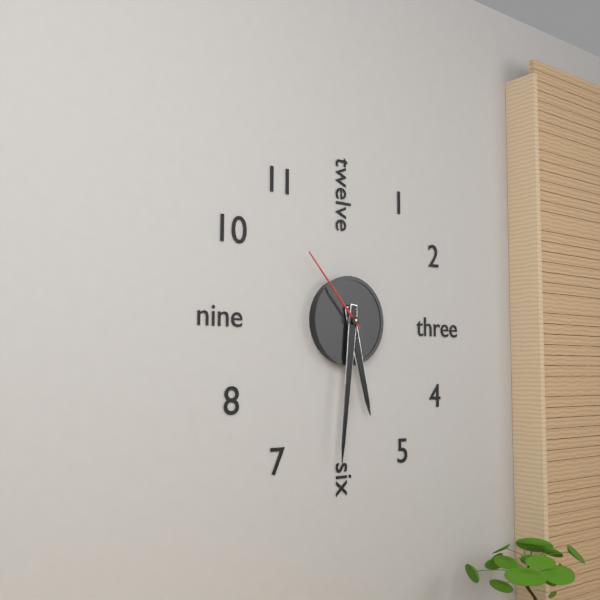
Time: **5:31:53**
